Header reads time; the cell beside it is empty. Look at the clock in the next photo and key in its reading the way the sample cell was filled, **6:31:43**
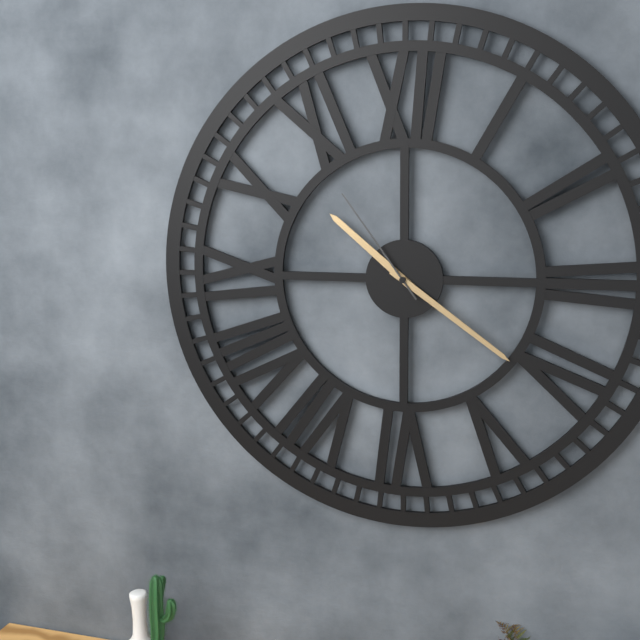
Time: **10:21:54**
